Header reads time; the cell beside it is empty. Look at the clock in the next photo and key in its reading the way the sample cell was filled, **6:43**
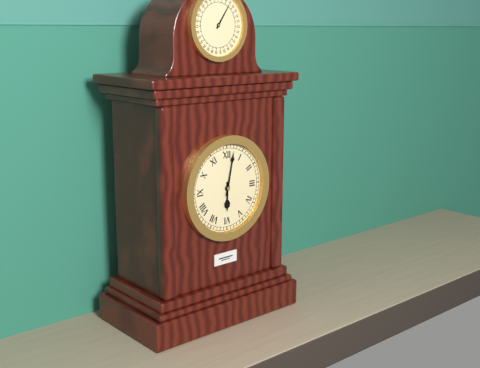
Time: **6:02**
